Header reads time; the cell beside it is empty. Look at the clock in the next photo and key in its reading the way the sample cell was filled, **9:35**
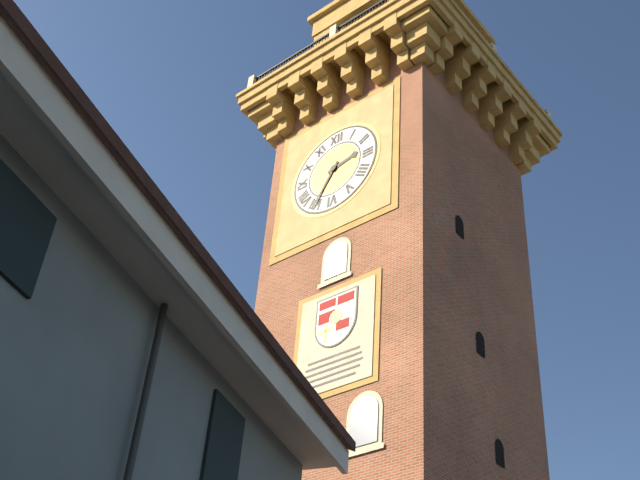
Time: **2:35**
